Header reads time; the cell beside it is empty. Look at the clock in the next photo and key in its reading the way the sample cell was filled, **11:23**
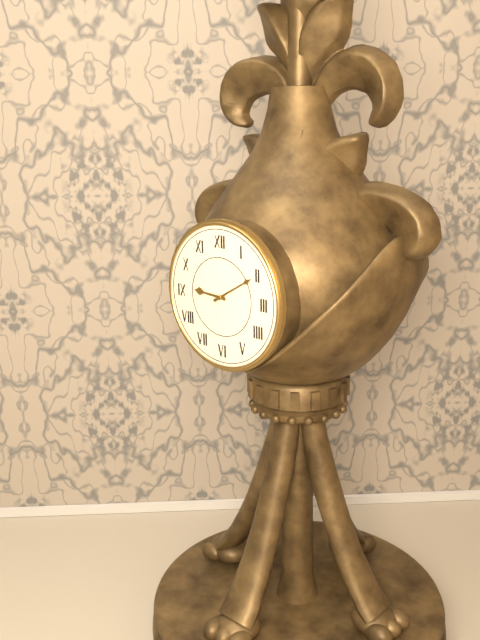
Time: **9:10**
